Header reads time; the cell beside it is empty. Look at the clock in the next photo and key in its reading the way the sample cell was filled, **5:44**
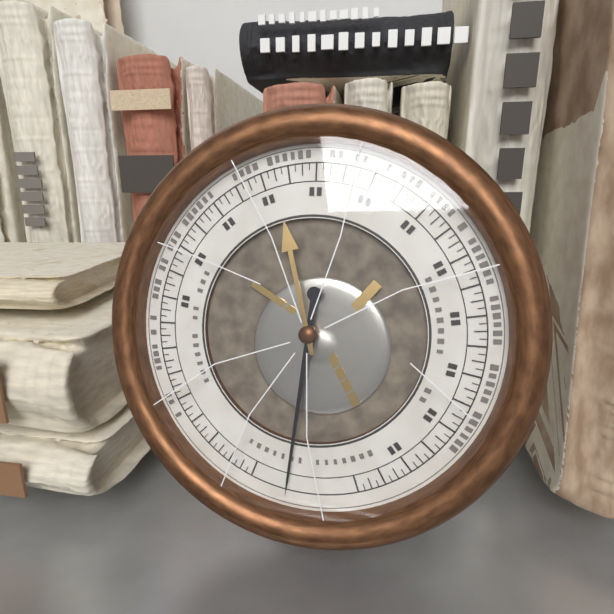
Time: **11:31**
